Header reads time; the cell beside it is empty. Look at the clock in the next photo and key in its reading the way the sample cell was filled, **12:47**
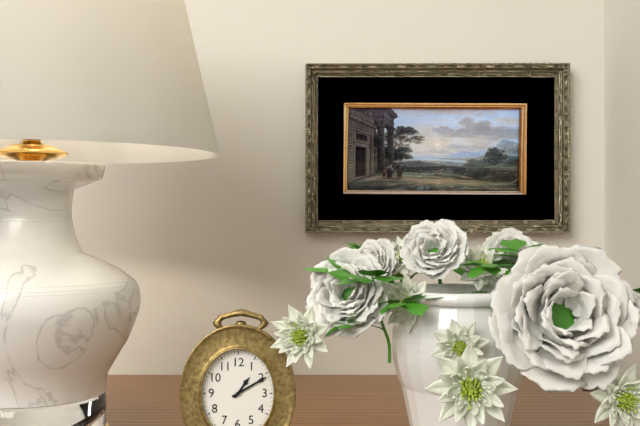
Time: **1:10**
